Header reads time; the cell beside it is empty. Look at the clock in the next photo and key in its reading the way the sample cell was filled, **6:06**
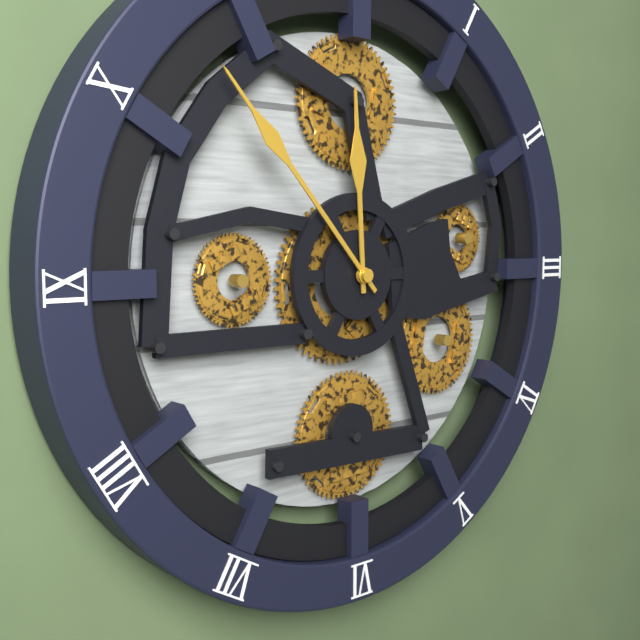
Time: **11:53**
